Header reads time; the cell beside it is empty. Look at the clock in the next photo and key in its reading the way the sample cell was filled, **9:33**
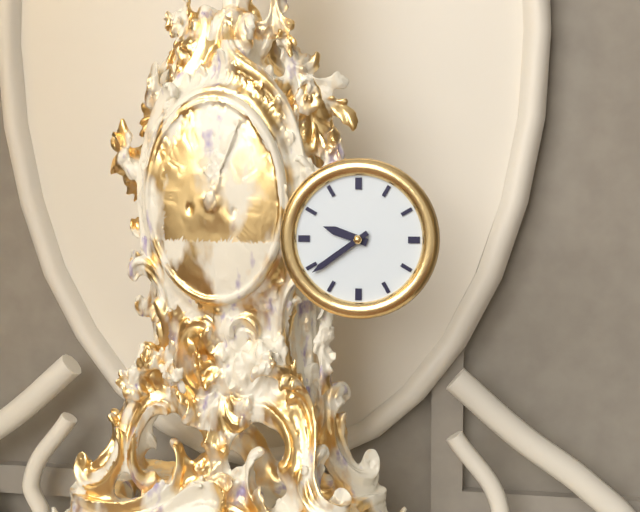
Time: **9:39**
